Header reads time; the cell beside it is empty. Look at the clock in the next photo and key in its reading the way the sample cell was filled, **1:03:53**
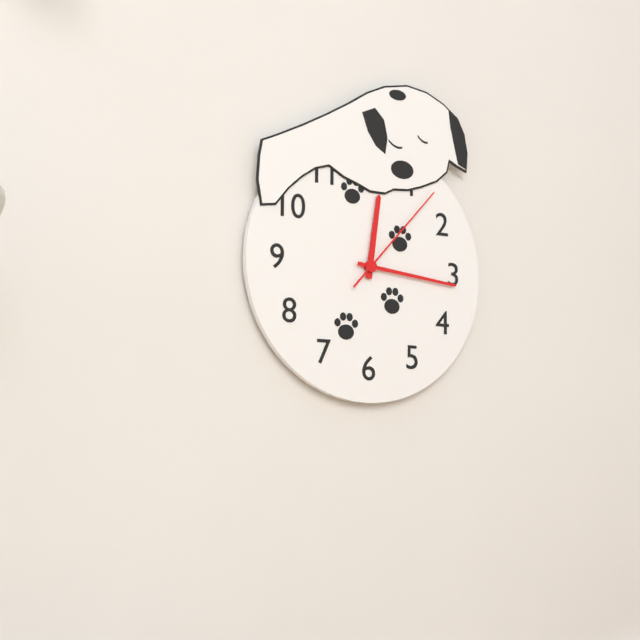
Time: **12:16:07**
